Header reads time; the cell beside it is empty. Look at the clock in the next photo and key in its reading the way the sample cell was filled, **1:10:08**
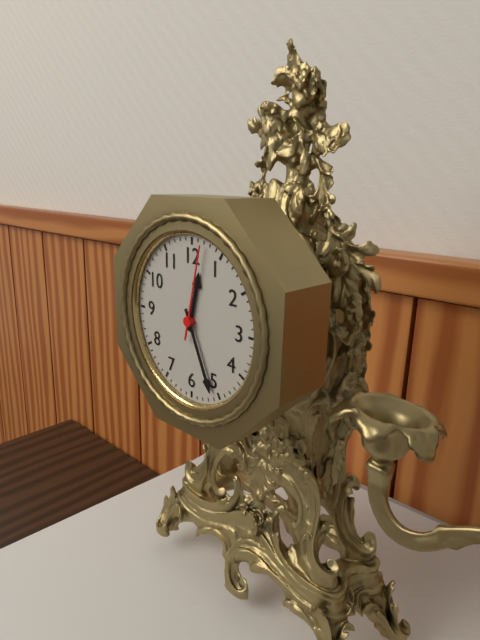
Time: **12:26:02**
